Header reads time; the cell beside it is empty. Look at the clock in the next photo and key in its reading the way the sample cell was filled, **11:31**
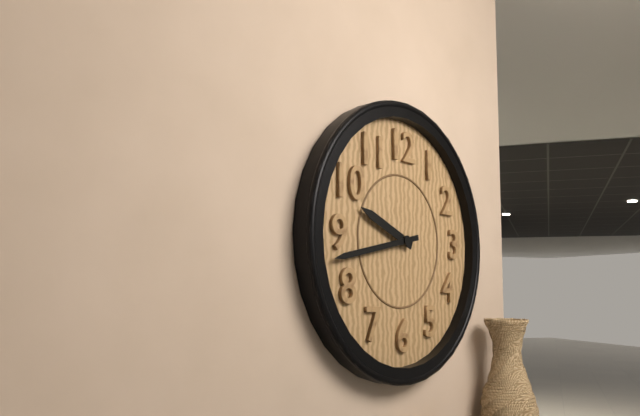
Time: **9:43**
